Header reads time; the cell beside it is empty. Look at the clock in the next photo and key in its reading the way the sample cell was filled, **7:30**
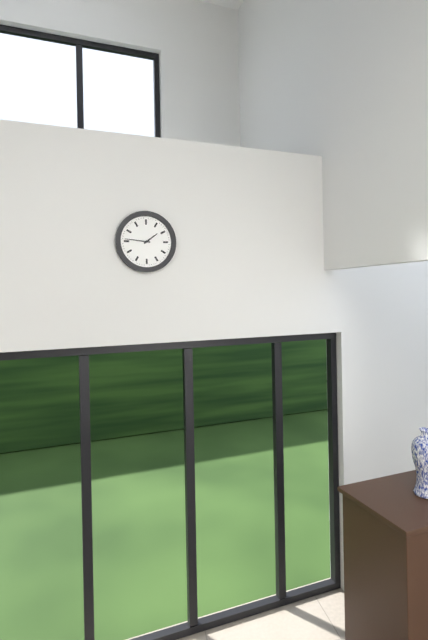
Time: **1:46**
